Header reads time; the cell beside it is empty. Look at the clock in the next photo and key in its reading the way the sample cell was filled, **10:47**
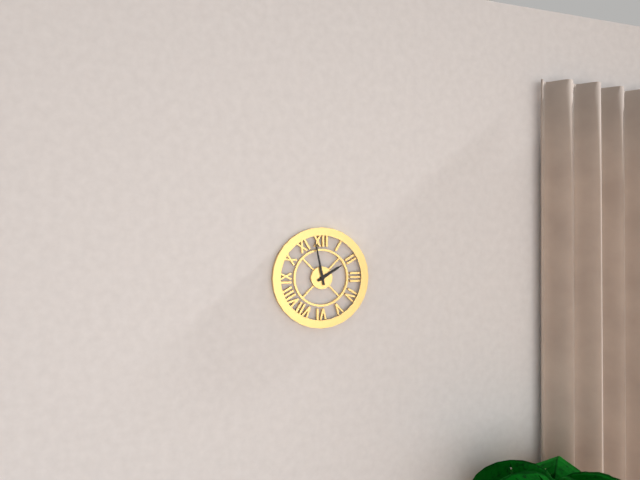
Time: **1:58**
